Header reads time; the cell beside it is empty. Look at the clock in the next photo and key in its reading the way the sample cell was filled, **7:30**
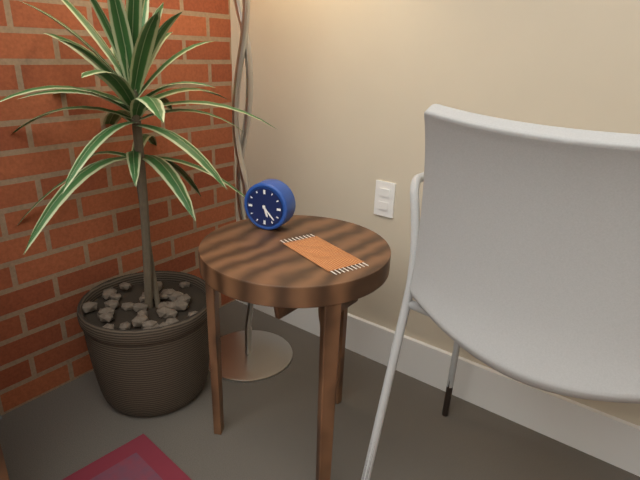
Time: **5:23**
